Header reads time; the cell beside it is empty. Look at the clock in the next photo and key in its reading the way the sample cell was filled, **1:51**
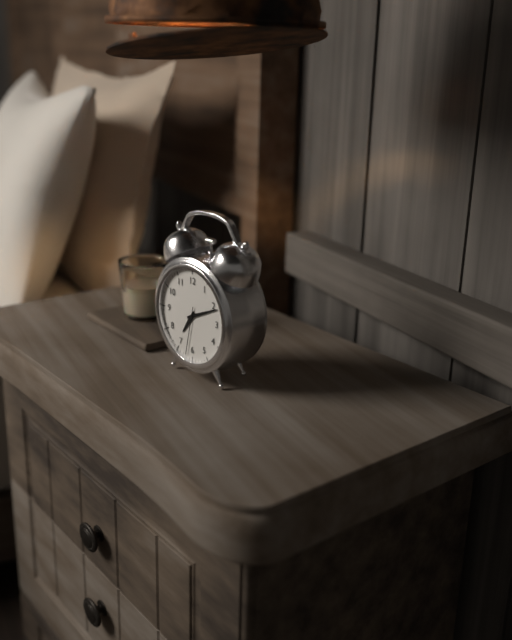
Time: **7:11**
